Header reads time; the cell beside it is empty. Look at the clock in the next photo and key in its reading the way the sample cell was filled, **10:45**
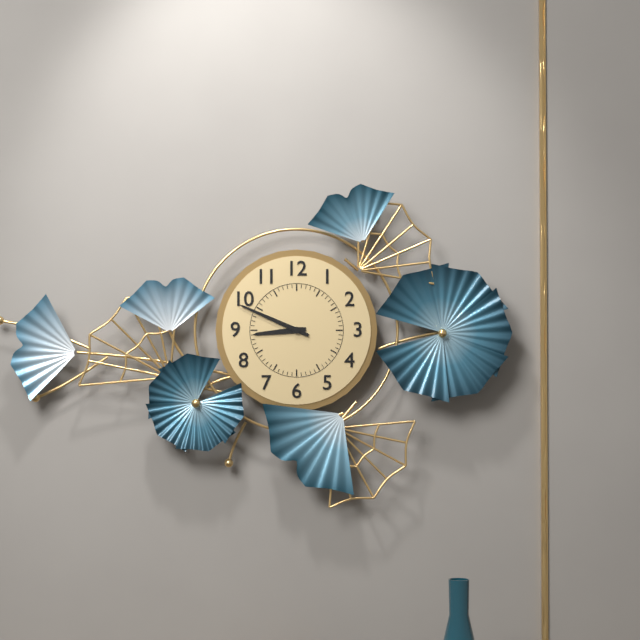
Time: **8:49**
